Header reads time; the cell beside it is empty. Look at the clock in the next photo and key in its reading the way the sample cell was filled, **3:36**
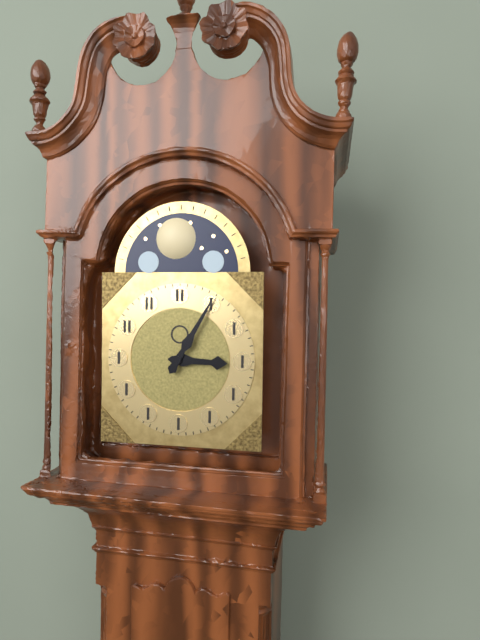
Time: **3:05**
